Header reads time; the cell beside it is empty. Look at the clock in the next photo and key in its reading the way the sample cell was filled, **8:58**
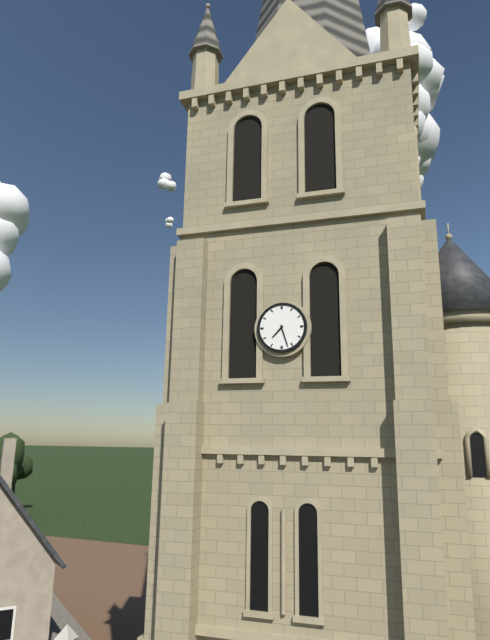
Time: **7:27**
